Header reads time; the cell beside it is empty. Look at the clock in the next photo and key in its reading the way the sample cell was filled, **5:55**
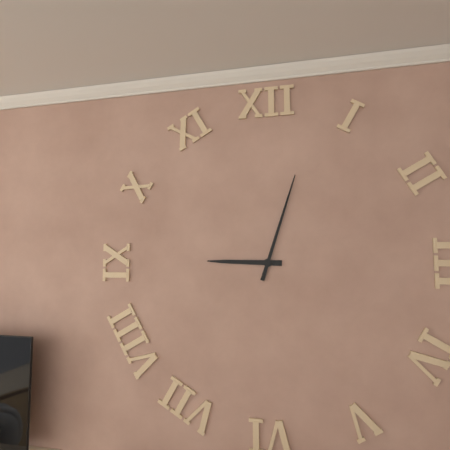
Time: **9:03**
